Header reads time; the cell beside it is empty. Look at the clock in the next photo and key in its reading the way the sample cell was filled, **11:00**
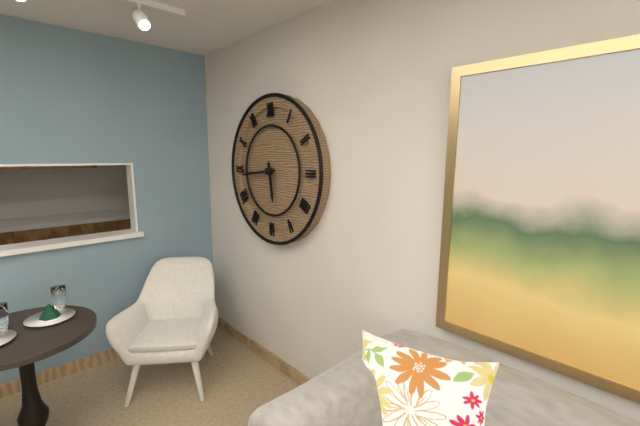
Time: **5:44**
